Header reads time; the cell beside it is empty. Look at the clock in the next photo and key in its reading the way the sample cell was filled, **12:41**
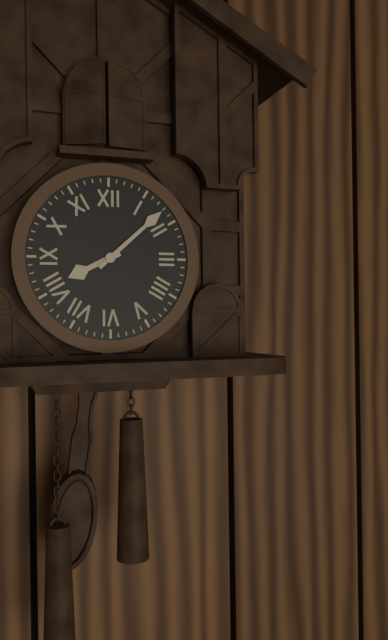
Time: **8:08**
